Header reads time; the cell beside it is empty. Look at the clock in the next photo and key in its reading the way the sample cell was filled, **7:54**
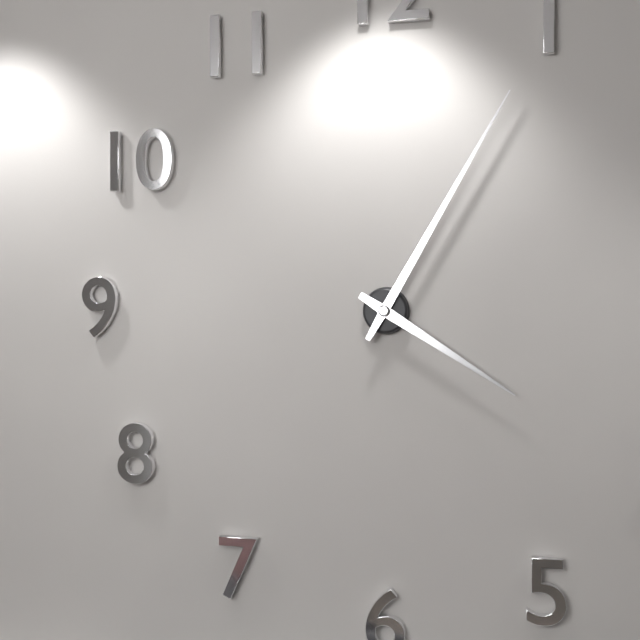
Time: **4:05**
